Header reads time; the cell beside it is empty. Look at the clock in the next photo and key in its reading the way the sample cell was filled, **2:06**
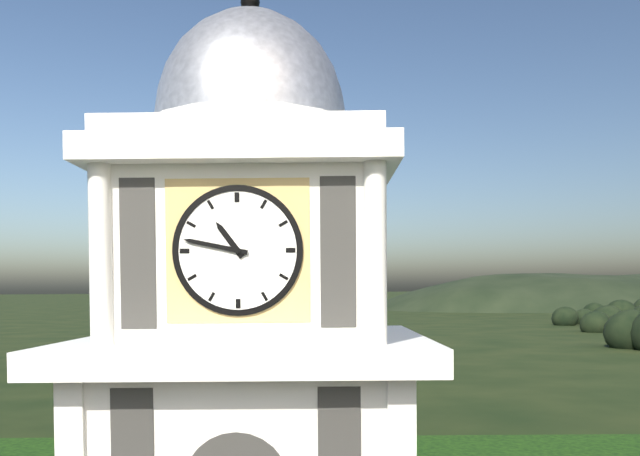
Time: **10:47**
